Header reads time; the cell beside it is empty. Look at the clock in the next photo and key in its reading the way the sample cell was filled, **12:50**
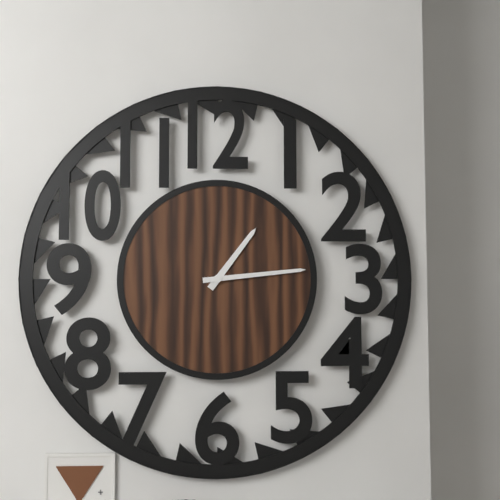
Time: **1:14**
